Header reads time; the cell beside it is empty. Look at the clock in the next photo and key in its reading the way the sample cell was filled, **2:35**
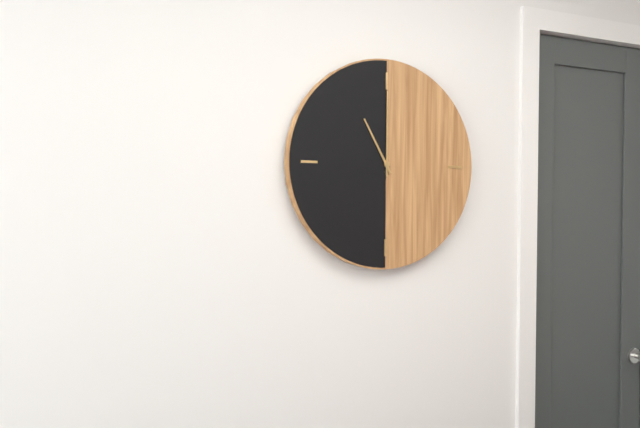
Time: **11:00**
